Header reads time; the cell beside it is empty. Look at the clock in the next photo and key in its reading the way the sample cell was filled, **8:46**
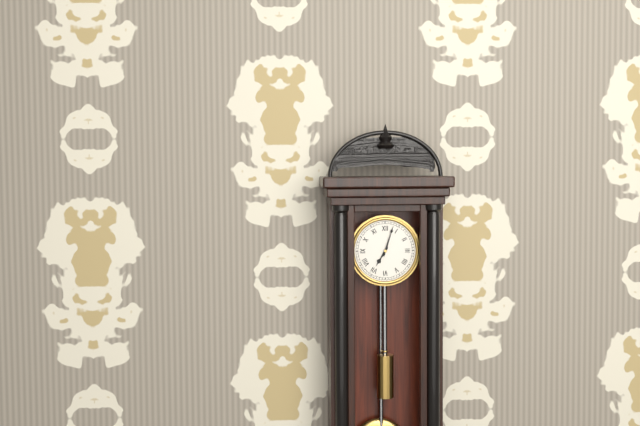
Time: **7:03**
